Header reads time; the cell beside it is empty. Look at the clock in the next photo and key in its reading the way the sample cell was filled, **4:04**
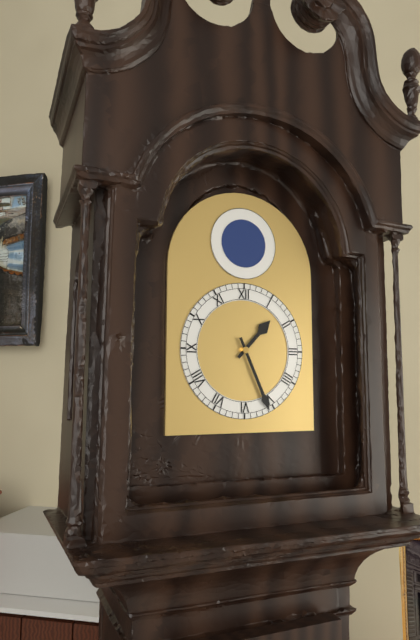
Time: **1:26**
